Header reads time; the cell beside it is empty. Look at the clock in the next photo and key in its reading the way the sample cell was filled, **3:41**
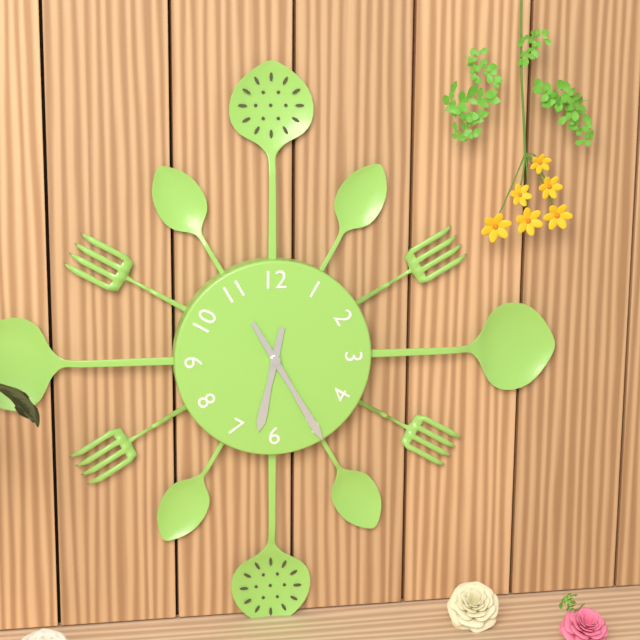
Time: **6:25**
